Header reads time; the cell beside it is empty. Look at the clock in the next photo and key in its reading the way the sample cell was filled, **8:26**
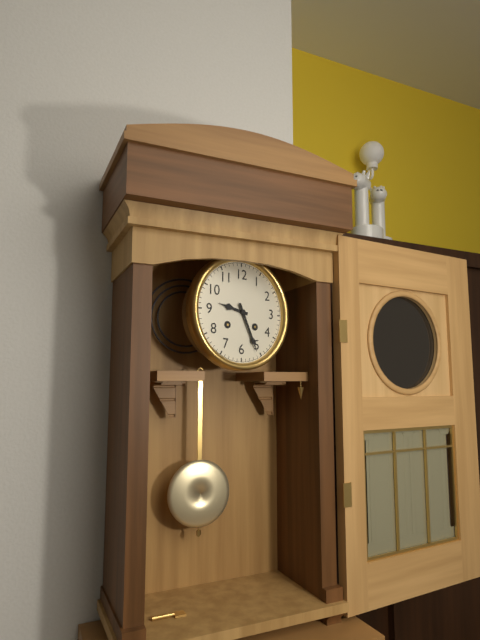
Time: **9:26**
